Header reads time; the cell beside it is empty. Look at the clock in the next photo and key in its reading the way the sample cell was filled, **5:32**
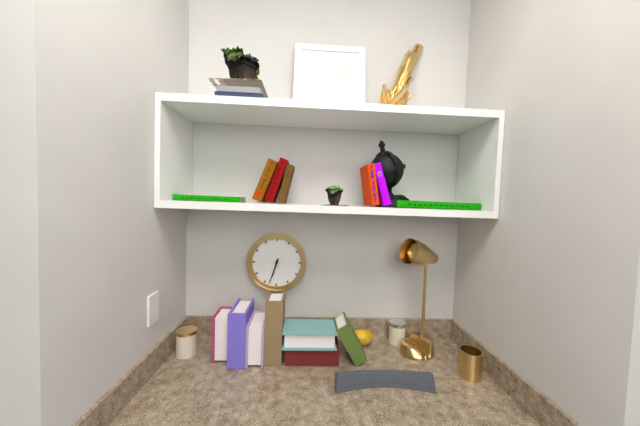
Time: **6:33**
